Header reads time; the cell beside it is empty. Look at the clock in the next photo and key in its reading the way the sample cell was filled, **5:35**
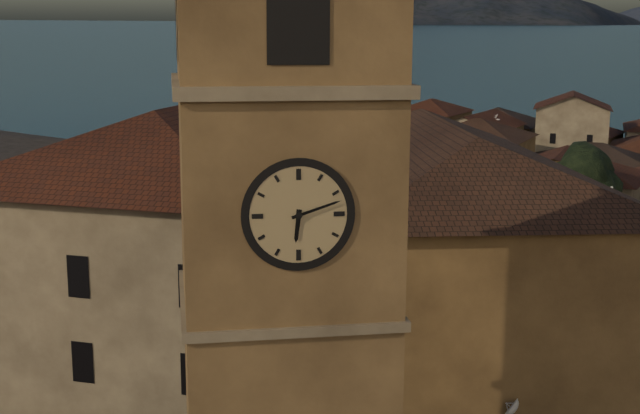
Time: **6:12**
